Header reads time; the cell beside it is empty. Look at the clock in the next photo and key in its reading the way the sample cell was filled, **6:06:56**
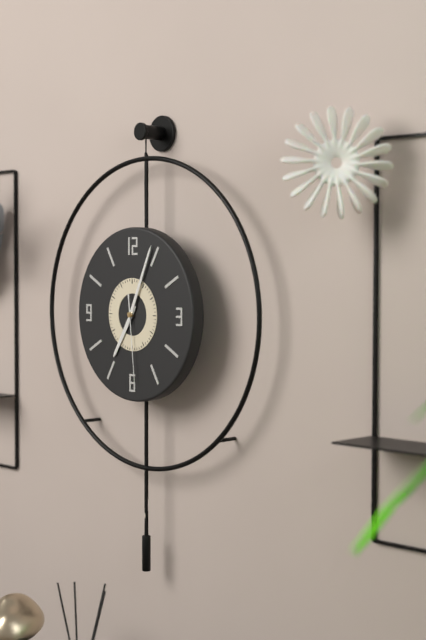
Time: **7:04:29**
